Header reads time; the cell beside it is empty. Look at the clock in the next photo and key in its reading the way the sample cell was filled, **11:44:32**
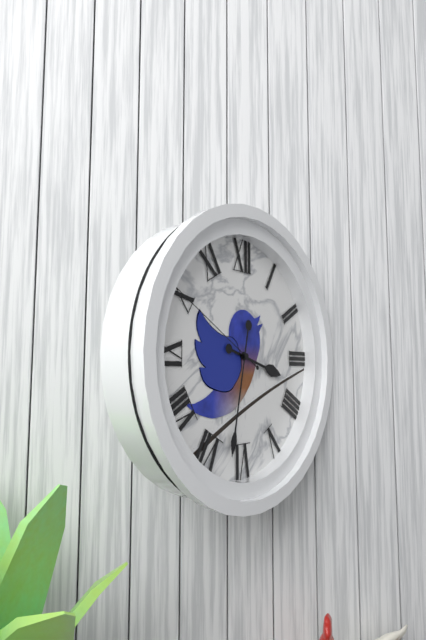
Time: **3:32:50**
